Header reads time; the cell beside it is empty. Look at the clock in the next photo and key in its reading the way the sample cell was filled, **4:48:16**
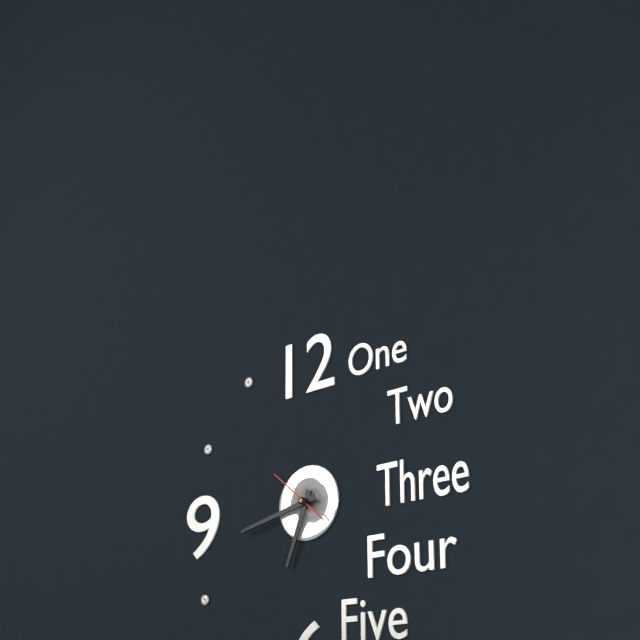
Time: **6:43:52**
